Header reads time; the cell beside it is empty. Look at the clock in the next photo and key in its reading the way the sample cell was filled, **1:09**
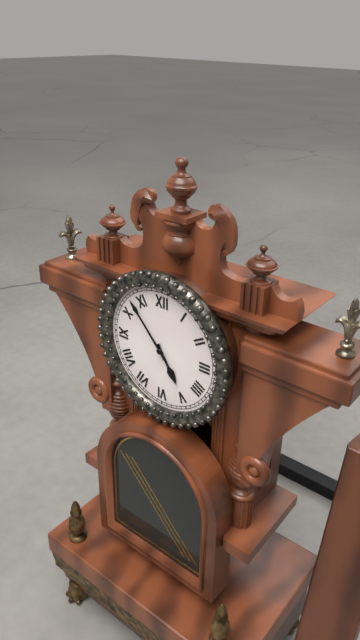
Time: **4:53**
